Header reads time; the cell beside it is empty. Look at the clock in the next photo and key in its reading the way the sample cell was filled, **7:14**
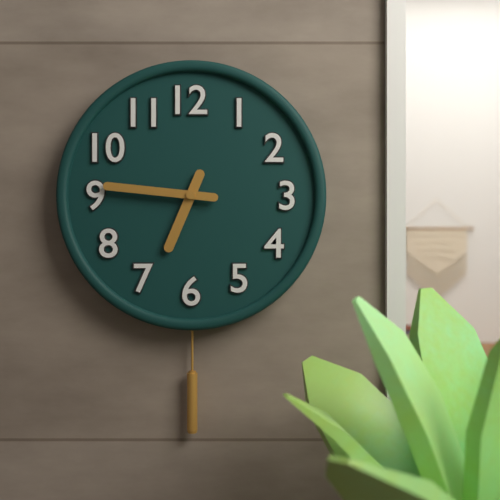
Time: **6:46**
